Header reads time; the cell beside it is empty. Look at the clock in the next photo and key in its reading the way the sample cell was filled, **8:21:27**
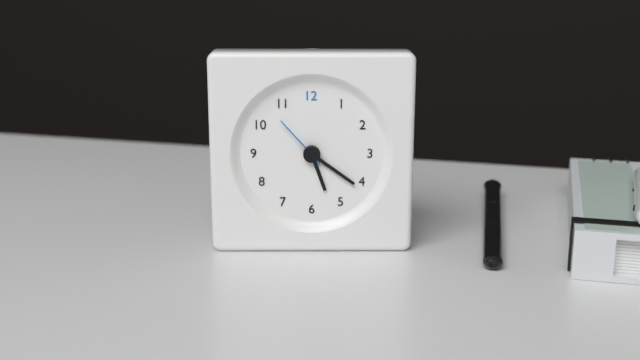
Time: **5:21:53**
